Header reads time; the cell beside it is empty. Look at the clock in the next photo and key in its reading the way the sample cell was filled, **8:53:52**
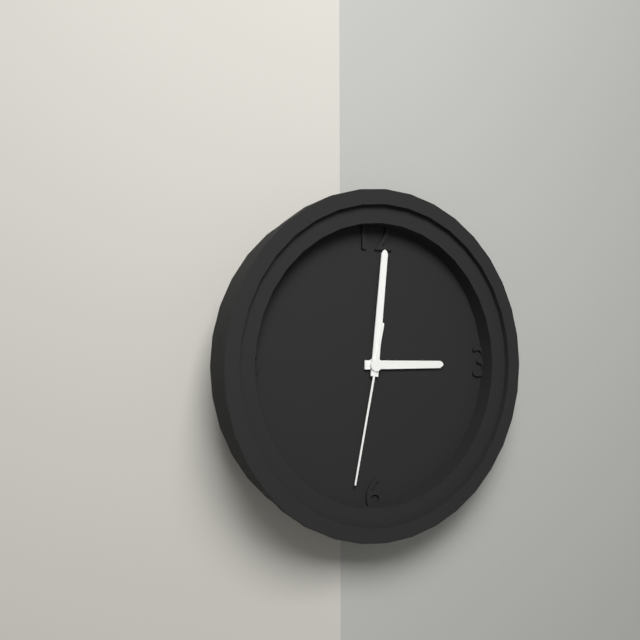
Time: **3:01:32**
